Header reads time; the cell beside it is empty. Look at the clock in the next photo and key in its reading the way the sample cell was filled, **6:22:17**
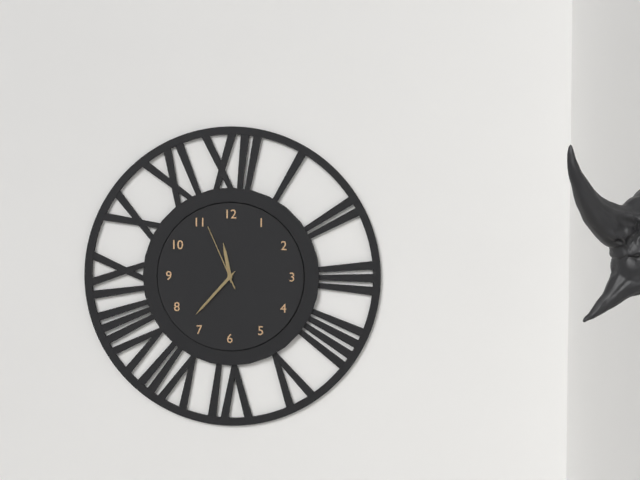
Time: **11:37:56**
